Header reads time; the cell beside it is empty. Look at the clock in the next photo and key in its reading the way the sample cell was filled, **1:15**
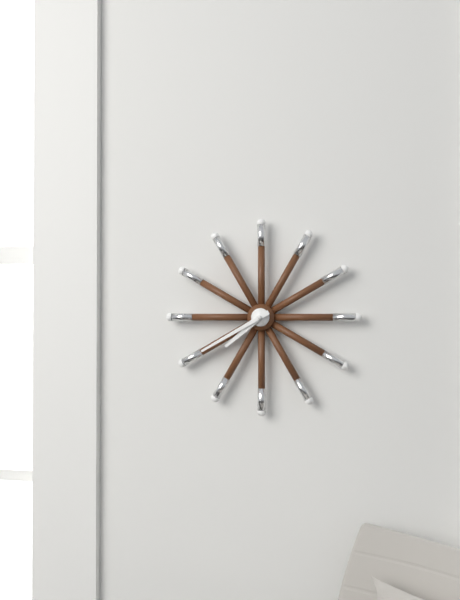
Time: **7:40**
